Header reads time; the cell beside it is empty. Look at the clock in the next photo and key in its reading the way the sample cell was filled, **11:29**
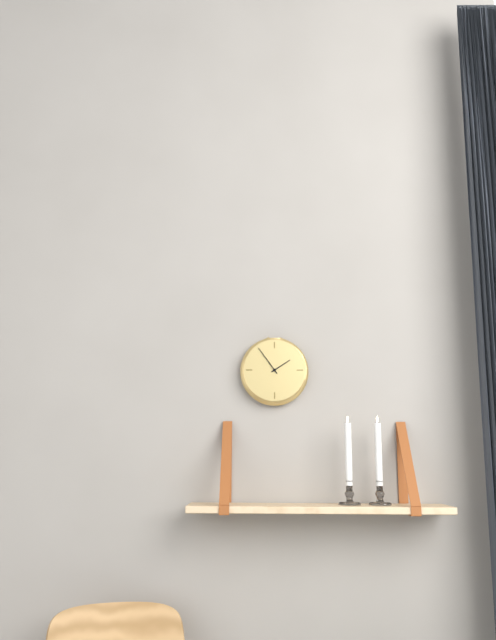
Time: **1:54**
